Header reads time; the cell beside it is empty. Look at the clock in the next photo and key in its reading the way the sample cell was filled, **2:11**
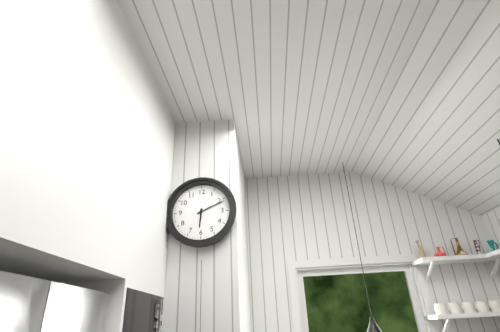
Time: **6:11**
